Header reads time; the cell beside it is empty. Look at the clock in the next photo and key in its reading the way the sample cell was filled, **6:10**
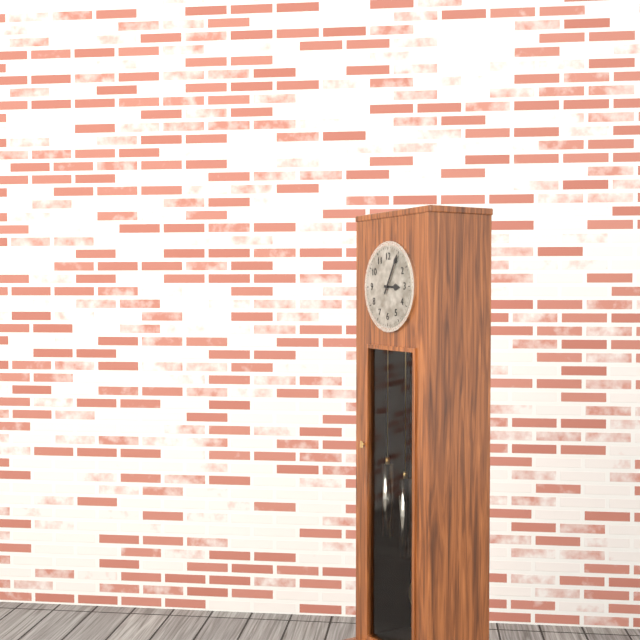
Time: **3:05**
